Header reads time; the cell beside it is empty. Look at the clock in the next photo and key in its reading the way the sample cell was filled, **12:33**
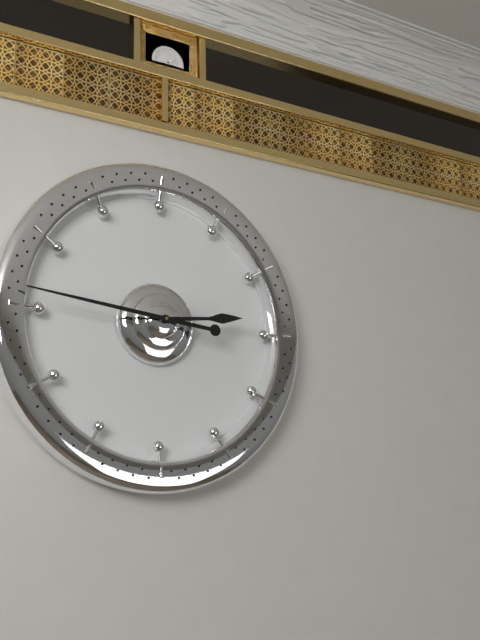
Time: **2:46**
